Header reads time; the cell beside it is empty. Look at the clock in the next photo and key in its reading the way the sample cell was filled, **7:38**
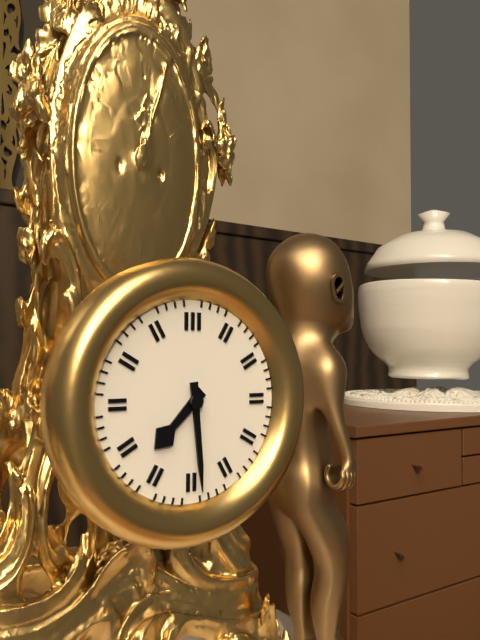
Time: **7:29**
